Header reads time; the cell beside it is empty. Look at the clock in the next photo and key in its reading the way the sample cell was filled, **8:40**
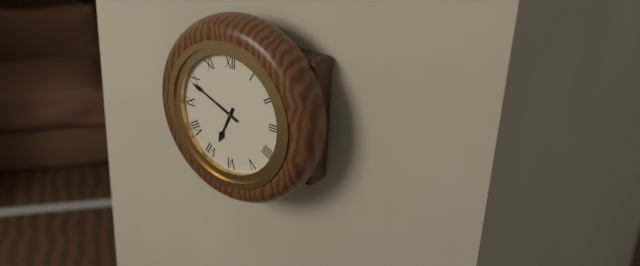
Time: **6:49**
